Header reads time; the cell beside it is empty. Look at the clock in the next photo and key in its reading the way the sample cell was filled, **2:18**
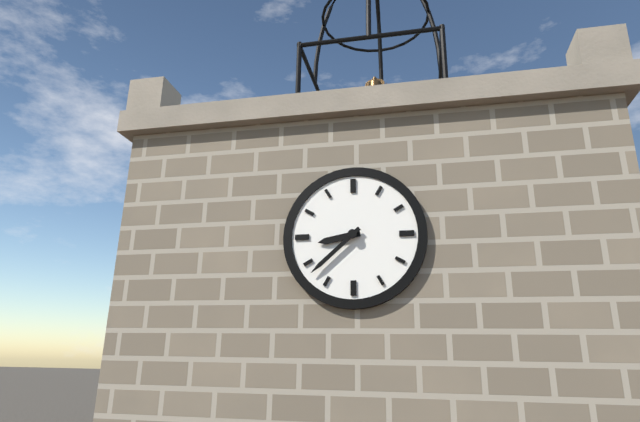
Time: **8:38**
